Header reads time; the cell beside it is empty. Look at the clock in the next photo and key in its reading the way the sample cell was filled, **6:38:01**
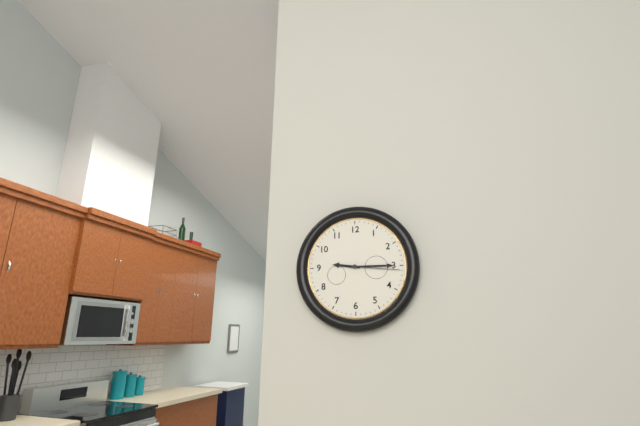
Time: **9:15:16**
